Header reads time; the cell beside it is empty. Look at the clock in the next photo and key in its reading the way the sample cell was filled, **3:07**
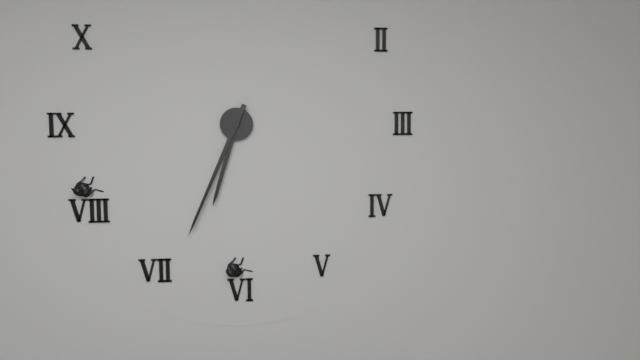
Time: **6:34**
